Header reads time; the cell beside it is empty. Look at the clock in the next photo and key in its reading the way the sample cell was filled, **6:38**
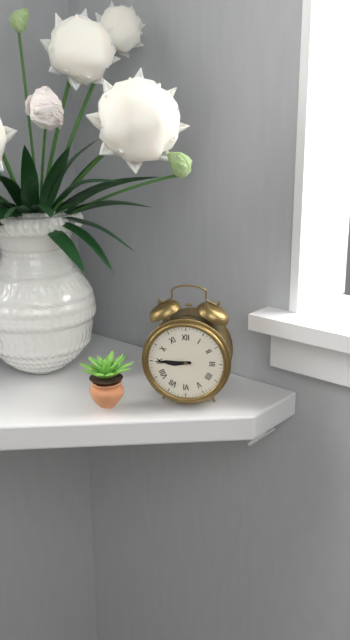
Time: **8:45**
